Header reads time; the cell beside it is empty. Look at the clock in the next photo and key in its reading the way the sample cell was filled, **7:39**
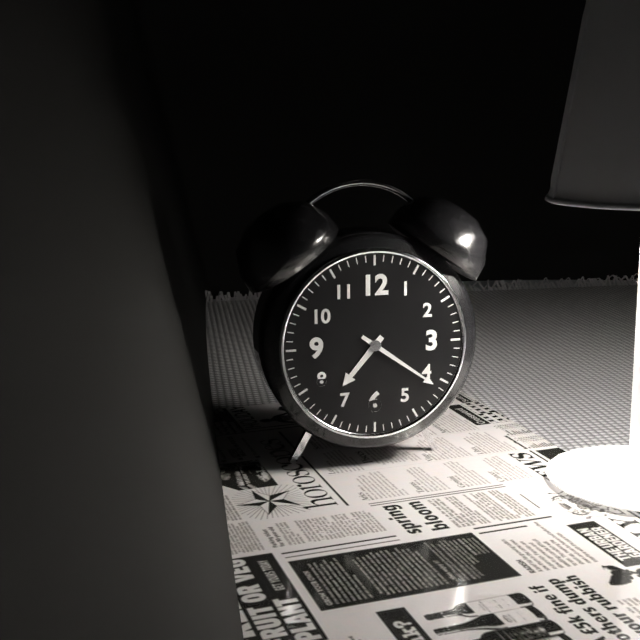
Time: **7:21**
